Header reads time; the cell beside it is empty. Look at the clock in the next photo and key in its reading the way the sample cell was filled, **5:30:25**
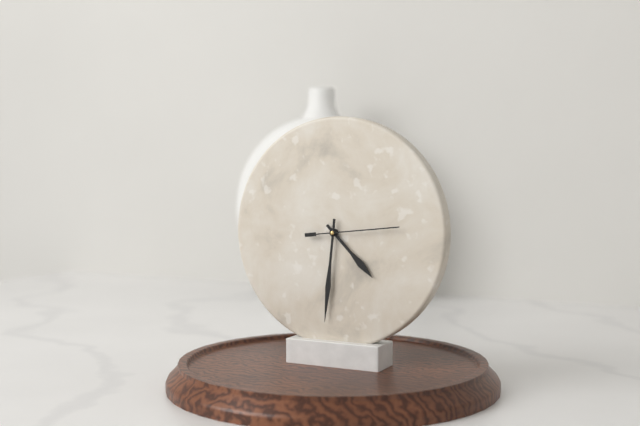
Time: **4:31:14**
